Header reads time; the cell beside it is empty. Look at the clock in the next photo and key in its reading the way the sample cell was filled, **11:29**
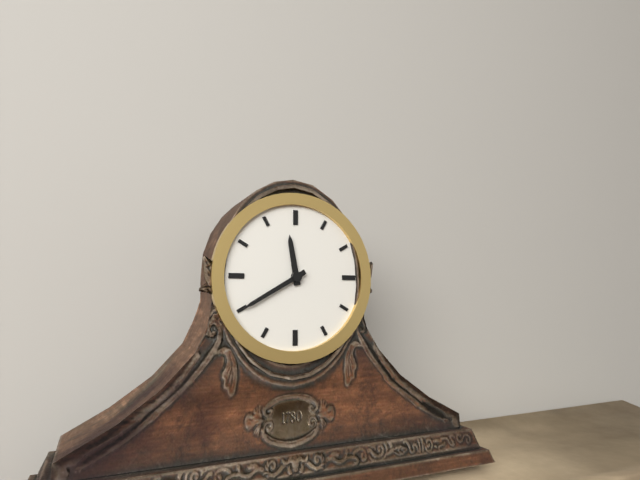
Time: **11:40**
